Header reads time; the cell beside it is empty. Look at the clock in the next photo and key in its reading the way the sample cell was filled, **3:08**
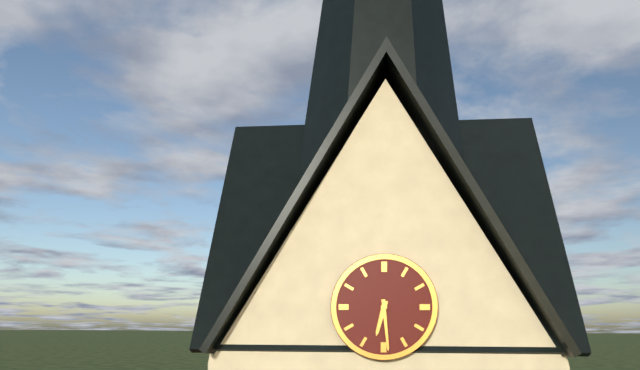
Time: **6:29**
